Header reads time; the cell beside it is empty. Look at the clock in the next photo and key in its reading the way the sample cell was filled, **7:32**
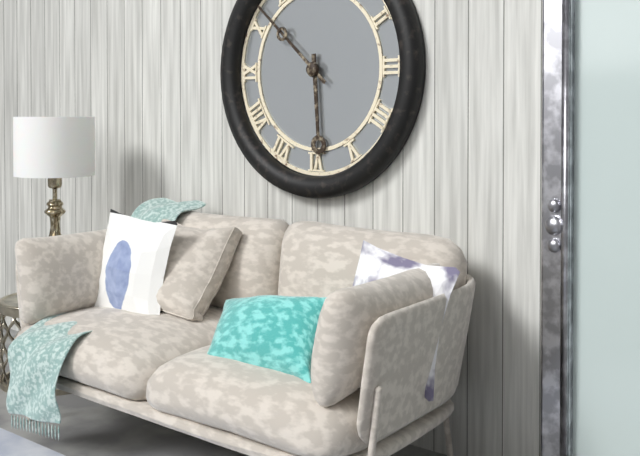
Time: **5:52**
